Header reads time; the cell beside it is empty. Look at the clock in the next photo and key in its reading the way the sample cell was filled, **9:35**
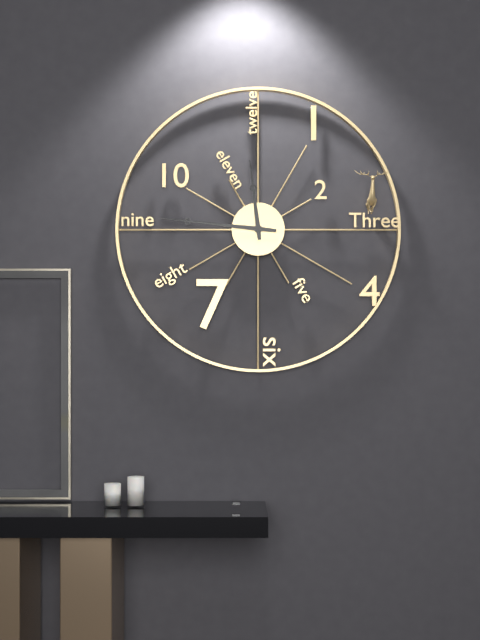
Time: **11:46**
